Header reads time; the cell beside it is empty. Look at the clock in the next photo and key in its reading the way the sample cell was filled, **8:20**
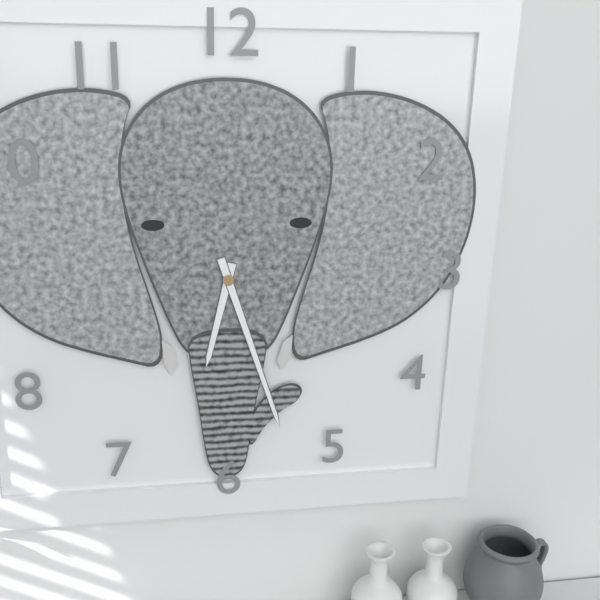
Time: **6:27**
